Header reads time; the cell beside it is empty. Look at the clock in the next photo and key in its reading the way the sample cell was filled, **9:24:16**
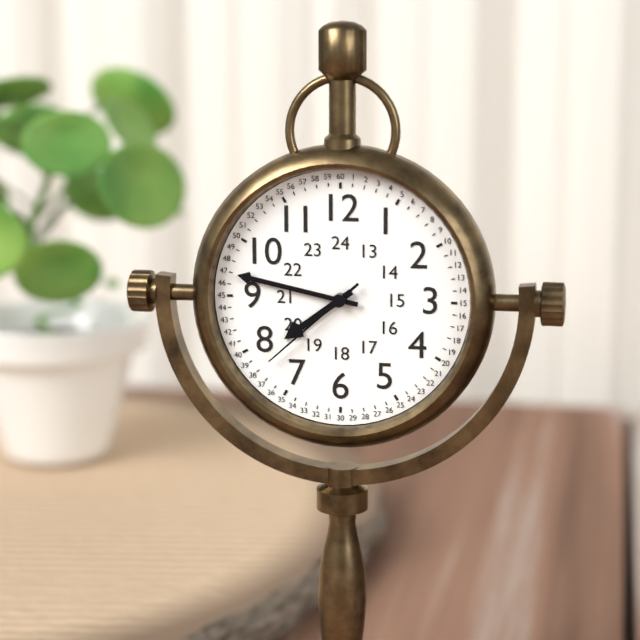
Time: **7:47:38**
